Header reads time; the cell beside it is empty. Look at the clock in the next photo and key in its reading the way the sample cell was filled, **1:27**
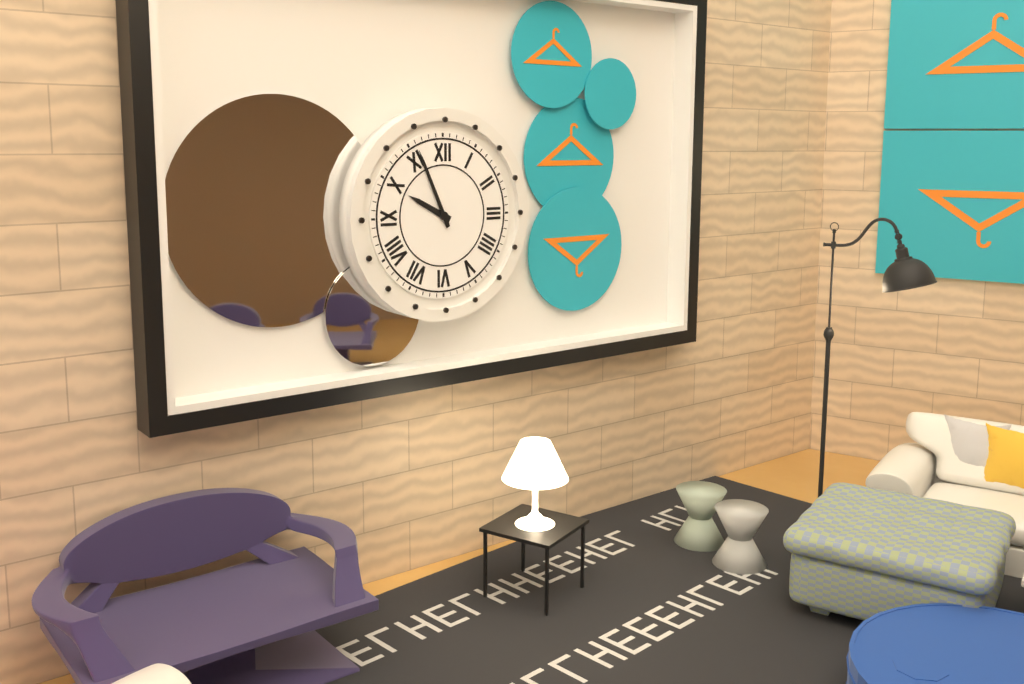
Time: **9:56**
